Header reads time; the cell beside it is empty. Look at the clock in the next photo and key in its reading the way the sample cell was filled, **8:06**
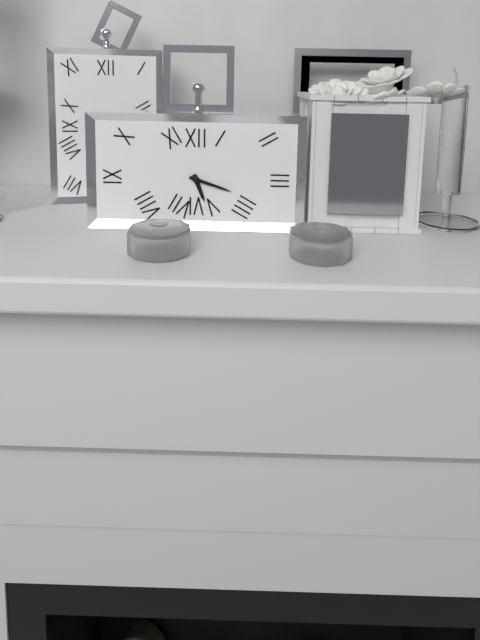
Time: **5:18**
